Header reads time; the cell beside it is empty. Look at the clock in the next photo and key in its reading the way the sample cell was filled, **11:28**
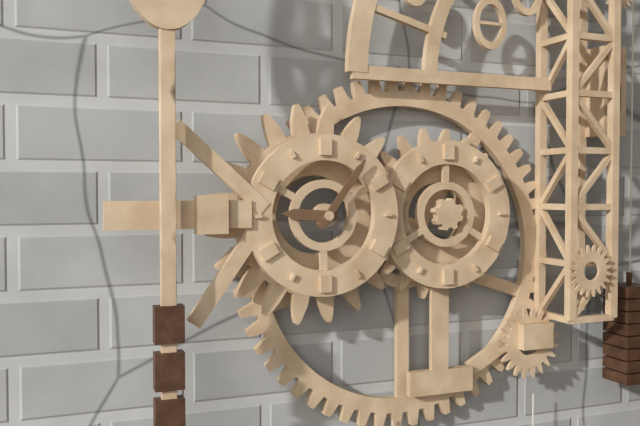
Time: **9:06**
